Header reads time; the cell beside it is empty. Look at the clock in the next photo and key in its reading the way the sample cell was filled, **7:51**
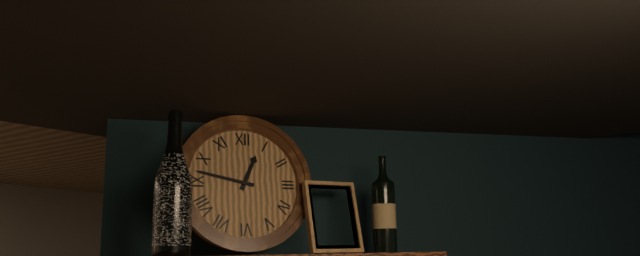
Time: **12:47**
